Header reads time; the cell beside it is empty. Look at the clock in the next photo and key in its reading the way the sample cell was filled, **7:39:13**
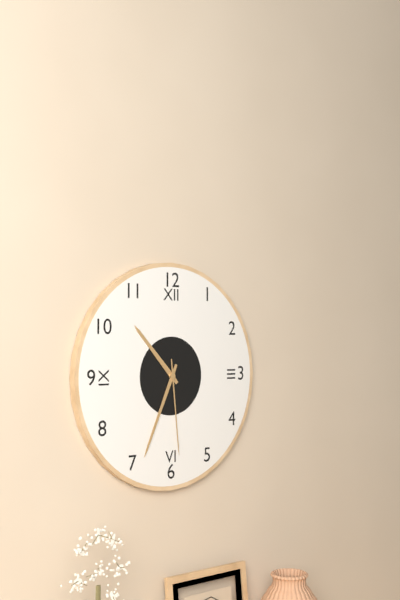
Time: **10:34:29**
